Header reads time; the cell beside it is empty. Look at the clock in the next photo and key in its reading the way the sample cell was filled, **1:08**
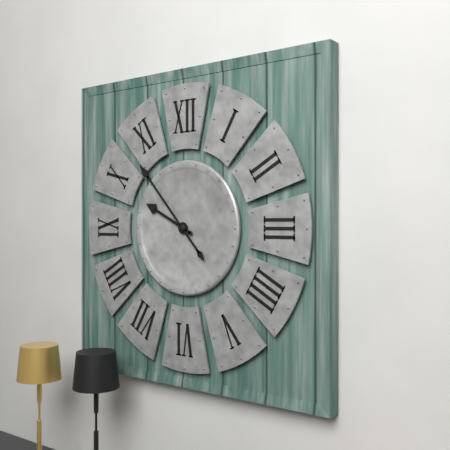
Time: **9:53**
